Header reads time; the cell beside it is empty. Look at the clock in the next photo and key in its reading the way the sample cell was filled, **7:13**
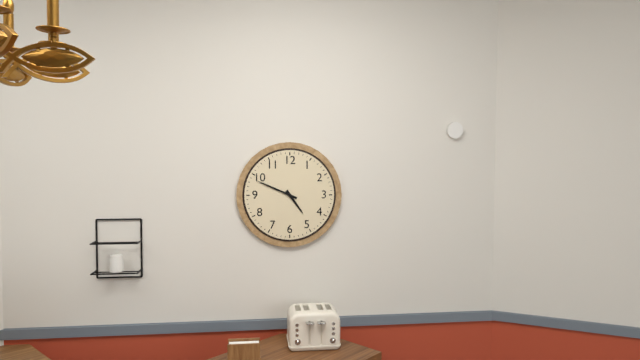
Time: **4:49**
